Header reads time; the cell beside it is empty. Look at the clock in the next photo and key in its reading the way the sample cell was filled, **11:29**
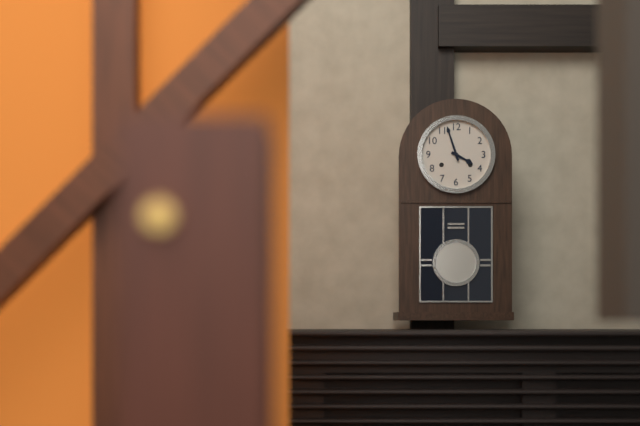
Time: **3:57**
